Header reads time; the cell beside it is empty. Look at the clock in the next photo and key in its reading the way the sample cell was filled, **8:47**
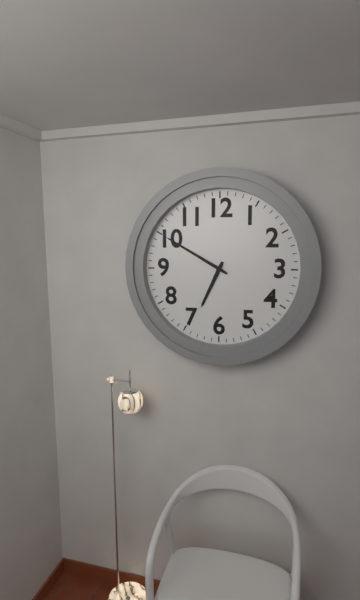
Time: **6:50**
